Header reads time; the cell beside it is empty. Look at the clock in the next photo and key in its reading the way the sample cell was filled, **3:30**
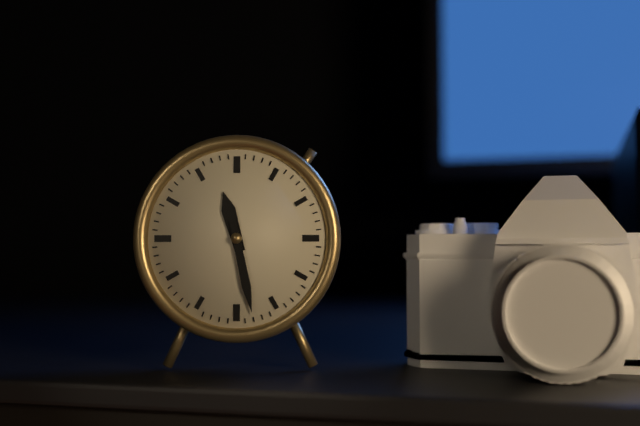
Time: **11:28**
